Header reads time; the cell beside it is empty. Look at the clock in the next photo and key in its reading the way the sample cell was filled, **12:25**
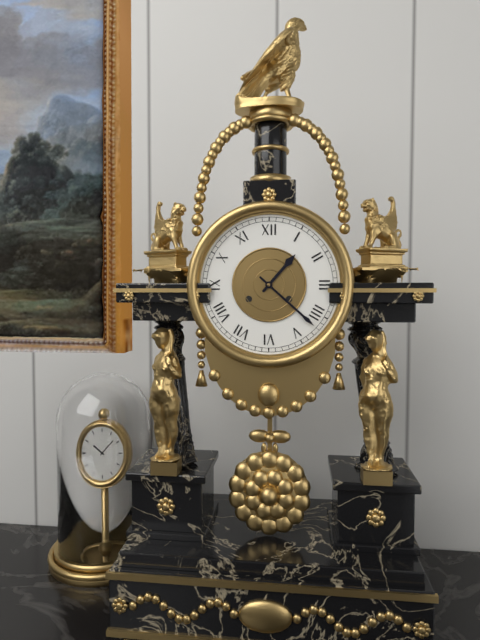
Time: **1:22**
